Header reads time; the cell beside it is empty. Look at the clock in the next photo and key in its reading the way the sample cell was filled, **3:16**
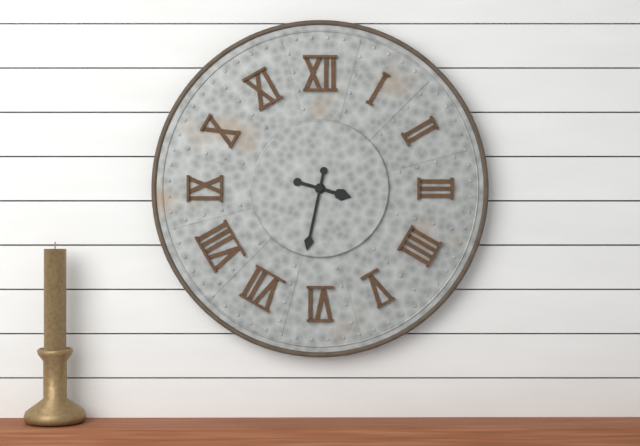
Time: **3:32**
